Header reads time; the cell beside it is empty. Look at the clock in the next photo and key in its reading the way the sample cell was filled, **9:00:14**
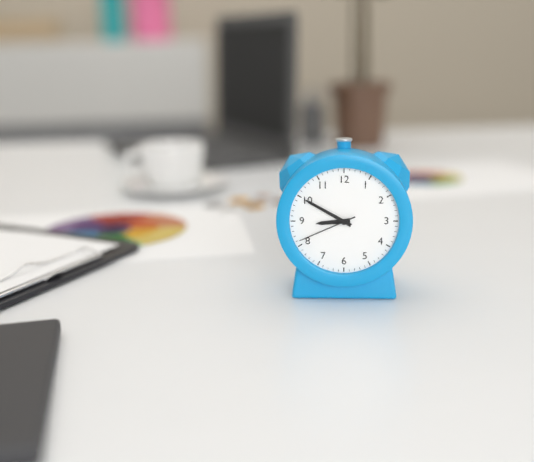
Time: **8:50:41**
